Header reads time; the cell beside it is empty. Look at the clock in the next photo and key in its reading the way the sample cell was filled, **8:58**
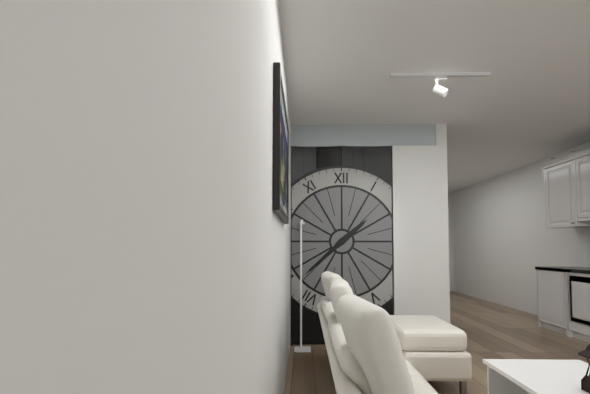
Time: **1:38**
